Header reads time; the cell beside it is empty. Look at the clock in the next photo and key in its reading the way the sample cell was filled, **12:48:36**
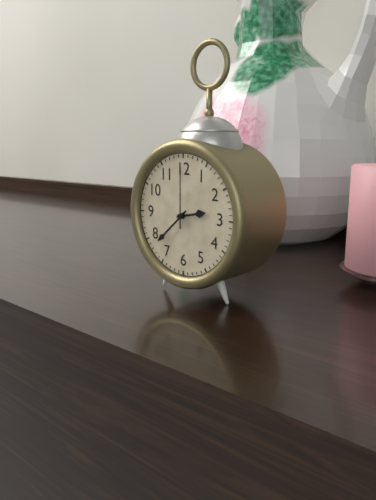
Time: **2:38:00**
